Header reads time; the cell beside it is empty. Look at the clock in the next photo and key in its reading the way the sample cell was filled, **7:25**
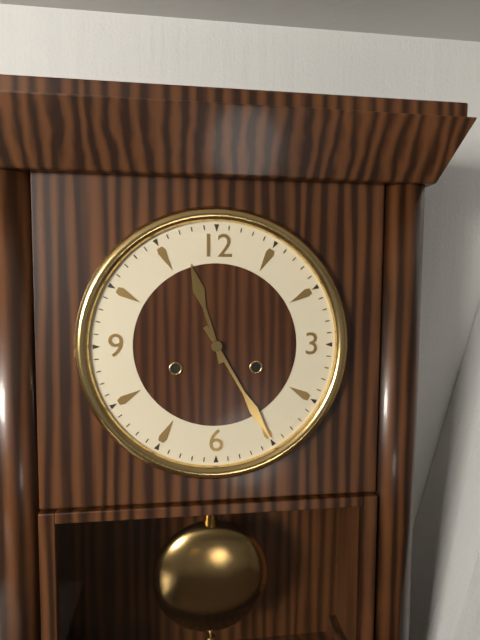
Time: **11:25**
